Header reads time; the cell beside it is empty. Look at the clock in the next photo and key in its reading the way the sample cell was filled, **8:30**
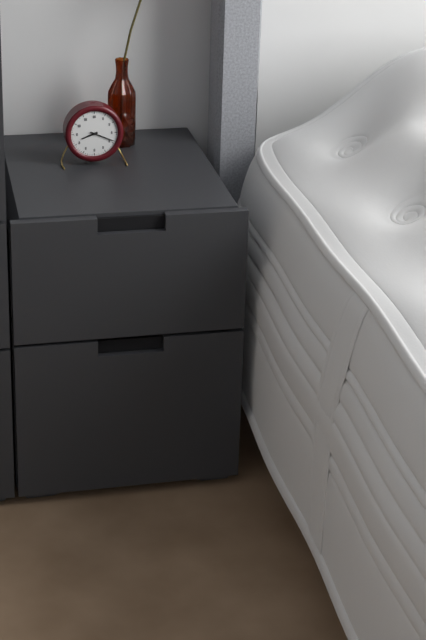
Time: **8:19**
